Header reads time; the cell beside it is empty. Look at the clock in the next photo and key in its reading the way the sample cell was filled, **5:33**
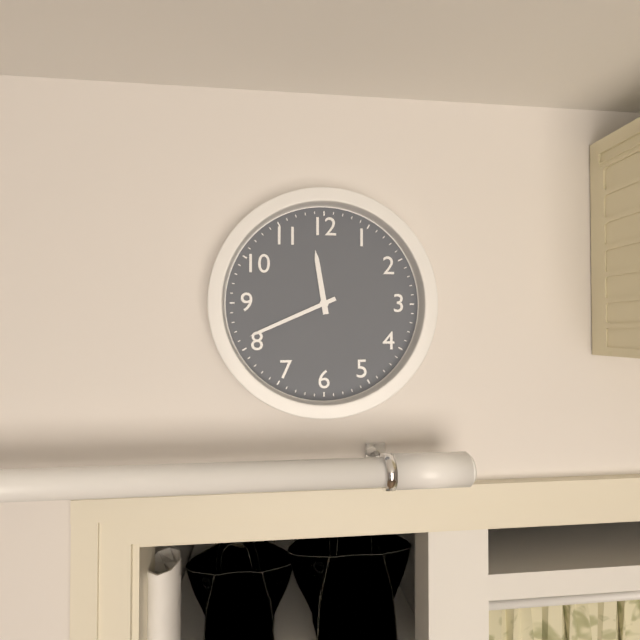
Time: **11:41**
